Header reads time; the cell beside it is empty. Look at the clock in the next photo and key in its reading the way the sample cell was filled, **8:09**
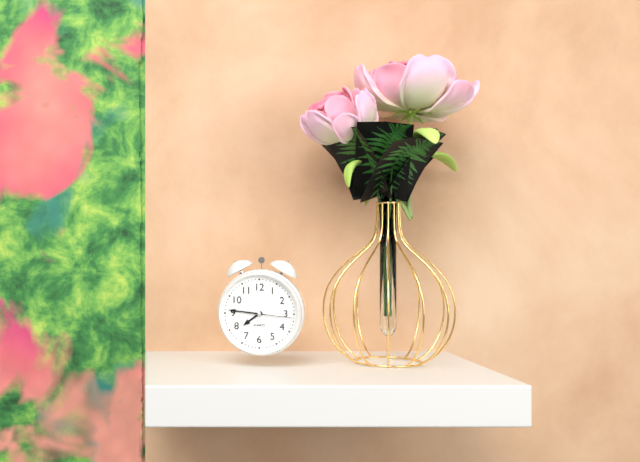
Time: **7:46**
